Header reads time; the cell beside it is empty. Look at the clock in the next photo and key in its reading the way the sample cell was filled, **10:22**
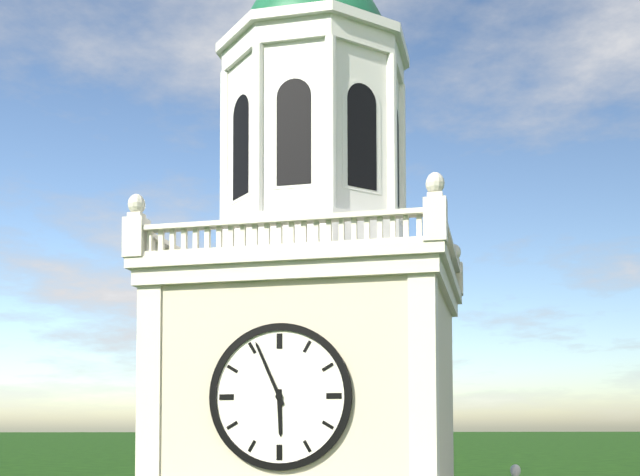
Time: **5:56**
